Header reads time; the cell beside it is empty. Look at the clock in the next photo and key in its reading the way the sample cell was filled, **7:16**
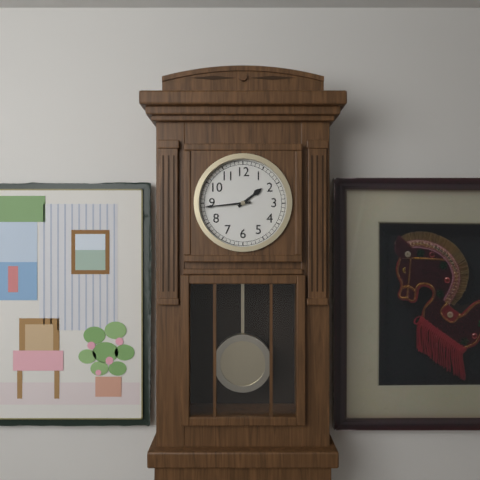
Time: **1:44**
